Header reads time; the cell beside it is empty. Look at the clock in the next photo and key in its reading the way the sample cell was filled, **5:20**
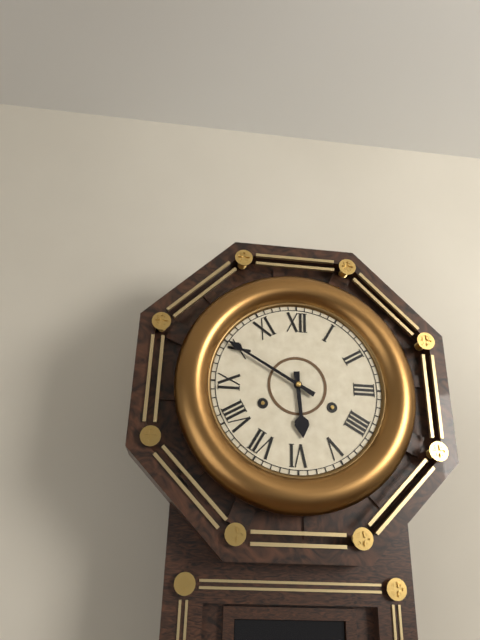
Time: **5:50**
